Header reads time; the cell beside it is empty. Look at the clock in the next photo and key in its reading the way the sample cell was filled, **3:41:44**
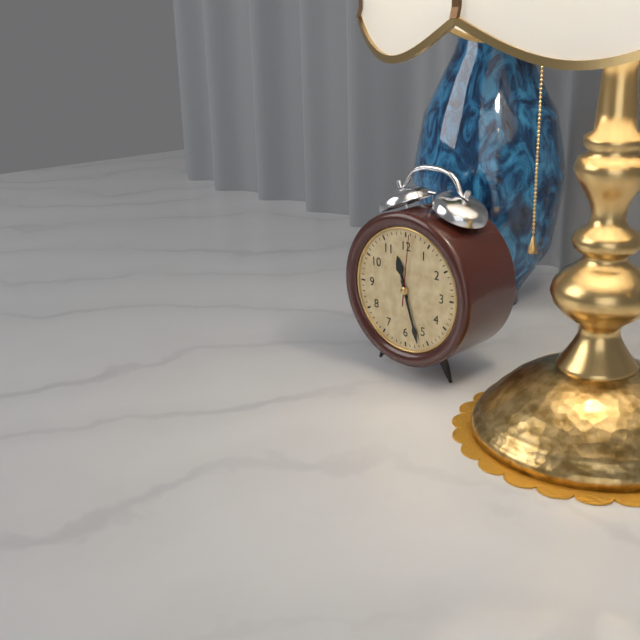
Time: **11:27:01**
